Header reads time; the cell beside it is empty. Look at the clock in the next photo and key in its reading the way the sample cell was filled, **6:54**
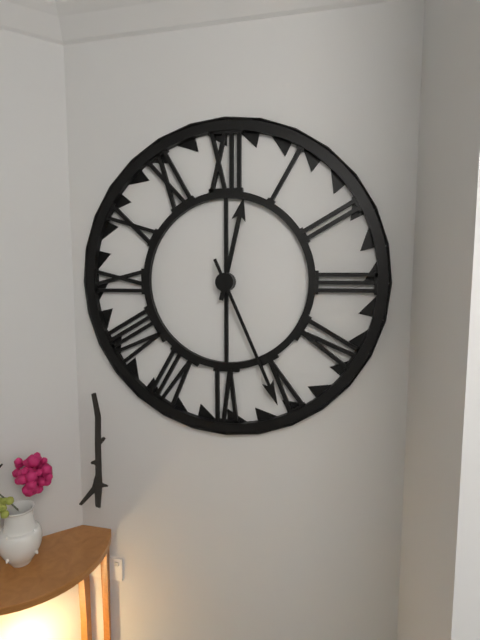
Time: **12:26**
